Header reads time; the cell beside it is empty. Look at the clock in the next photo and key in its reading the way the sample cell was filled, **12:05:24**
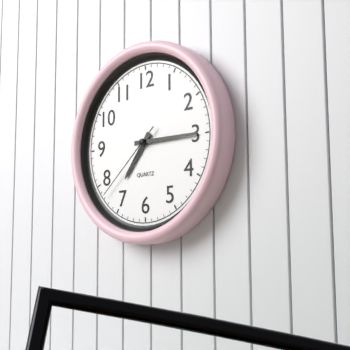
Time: **7:15:38**
